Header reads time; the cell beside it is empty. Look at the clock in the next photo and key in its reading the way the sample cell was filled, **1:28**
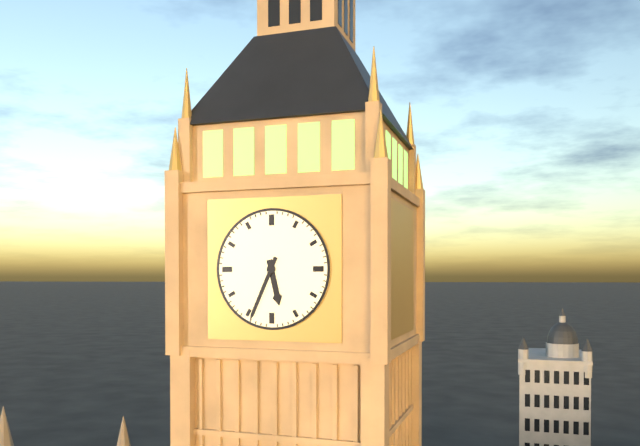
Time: **5:34**
